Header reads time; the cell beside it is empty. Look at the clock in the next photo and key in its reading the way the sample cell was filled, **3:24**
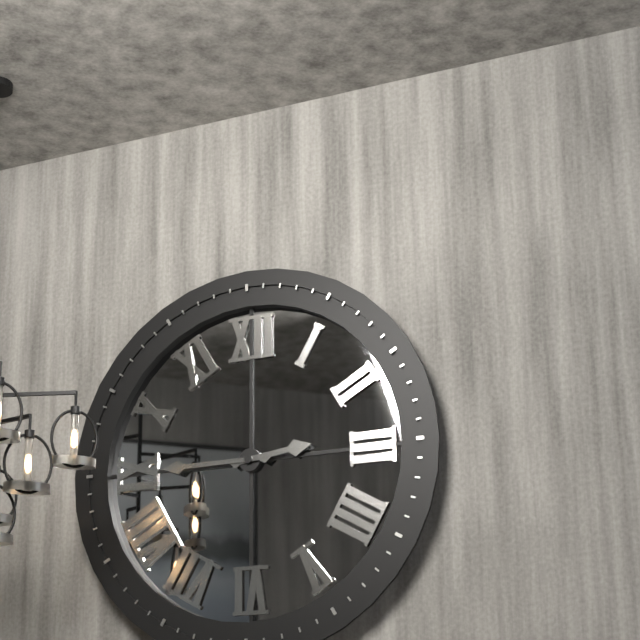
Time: **2:45**
